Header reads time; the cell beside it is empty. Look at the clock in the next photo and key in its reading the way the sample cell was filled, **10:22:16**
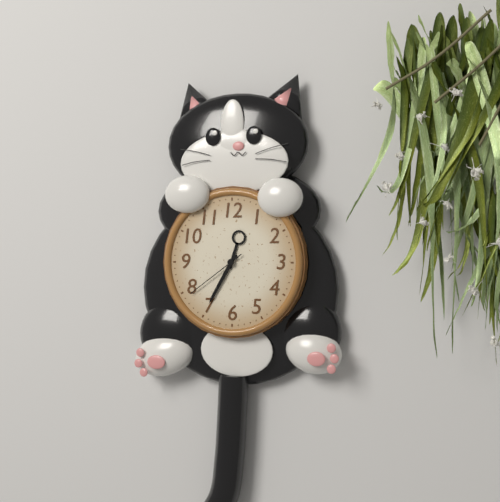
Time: **12:35:39**
